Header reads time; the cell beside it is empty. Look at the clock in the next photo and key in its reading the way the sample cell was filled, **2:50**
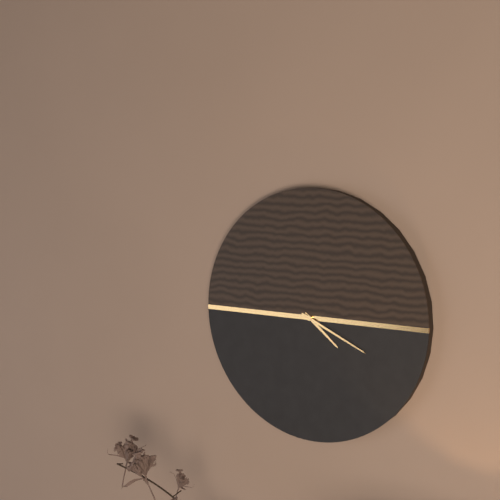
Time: **4:19**
